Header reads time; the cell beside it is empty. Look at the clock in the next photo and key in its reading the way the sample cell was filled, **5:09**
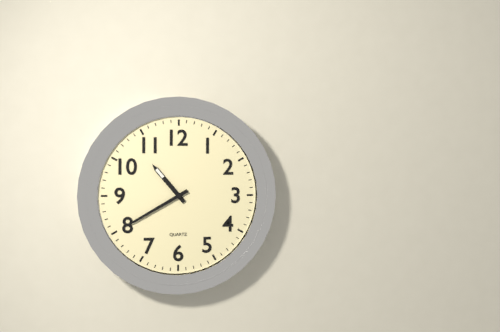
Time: **10:40**
